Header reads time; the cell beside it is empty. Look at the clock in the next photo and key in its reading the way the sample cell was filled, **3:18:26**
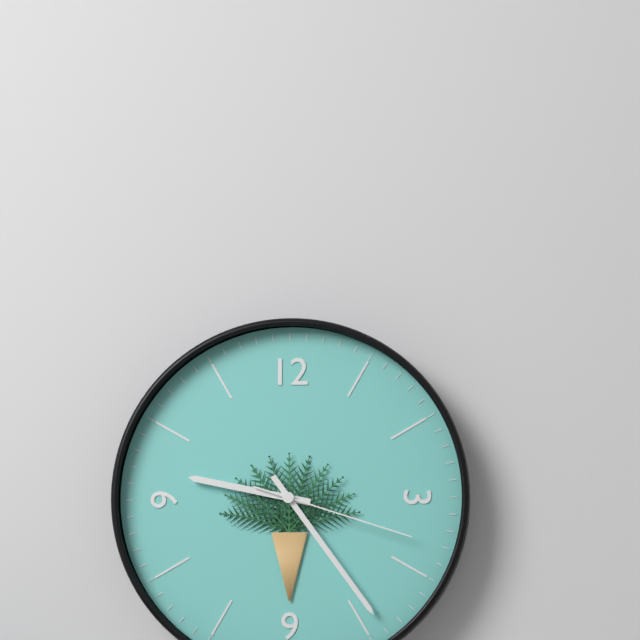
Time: **9:24:18**
